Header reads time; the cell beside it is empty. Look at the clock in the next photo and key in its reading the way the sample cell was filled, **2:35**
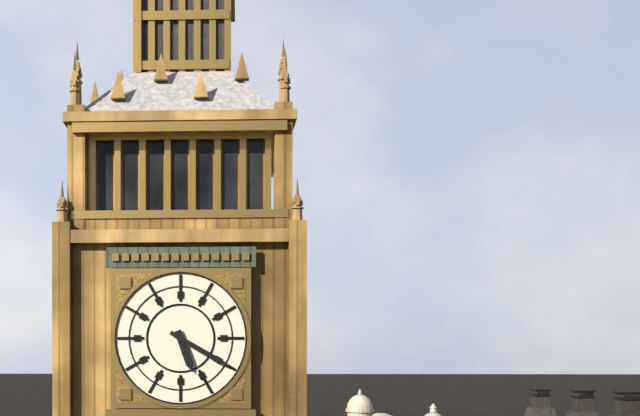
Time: **5:20**
